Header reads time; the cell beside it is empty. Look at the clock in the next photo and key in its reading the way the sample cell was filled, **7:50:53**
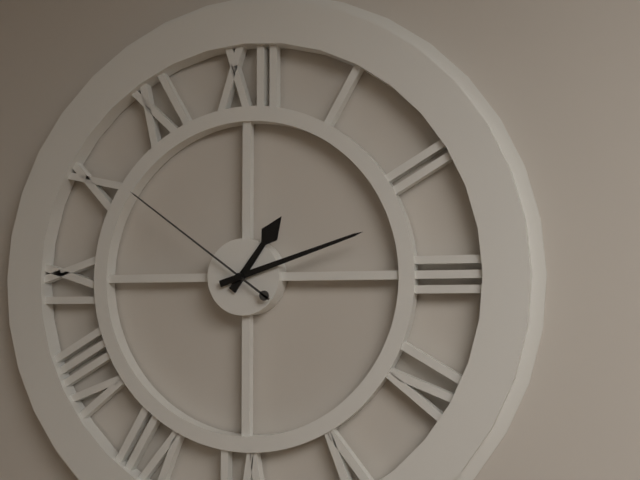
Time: **1:12:51**
